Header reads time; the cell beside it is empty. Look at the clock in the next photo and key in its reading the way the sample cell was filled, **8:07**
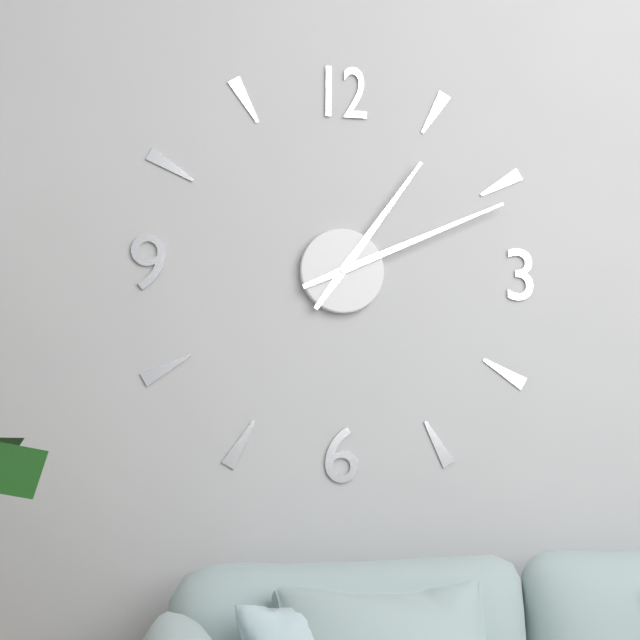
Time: **1:11**
